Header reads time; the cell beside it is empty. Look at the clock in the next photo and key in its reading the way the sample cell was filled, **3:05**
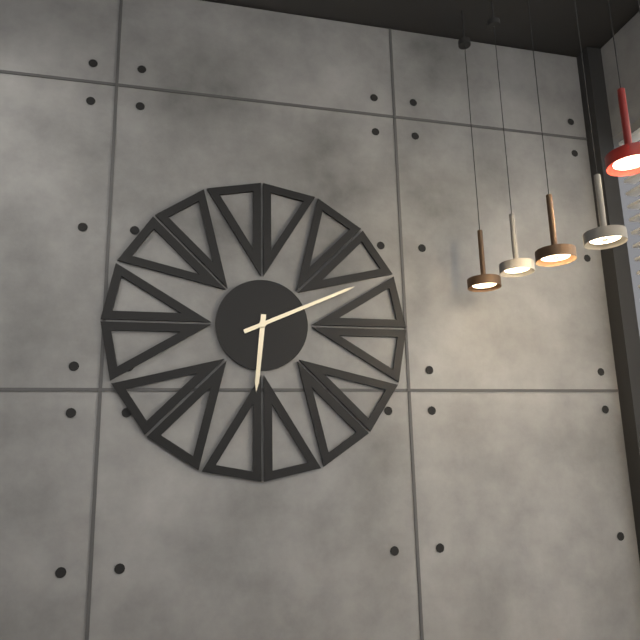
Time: **6:11**
